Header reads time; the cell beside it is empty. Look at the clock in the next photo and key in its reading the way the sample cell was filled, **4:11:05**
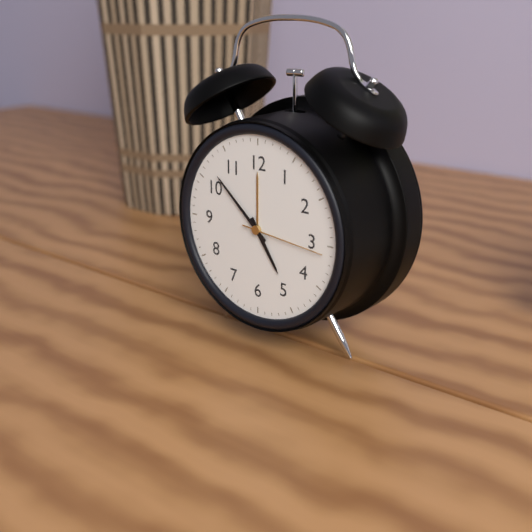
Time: **4:52:16**
